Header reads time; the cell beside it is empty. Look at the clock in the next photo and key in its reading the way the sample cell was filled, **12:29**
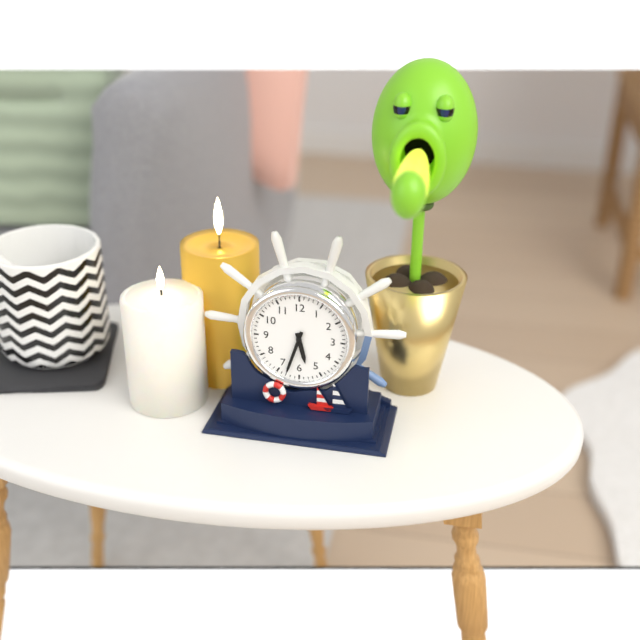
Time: **5:33**
